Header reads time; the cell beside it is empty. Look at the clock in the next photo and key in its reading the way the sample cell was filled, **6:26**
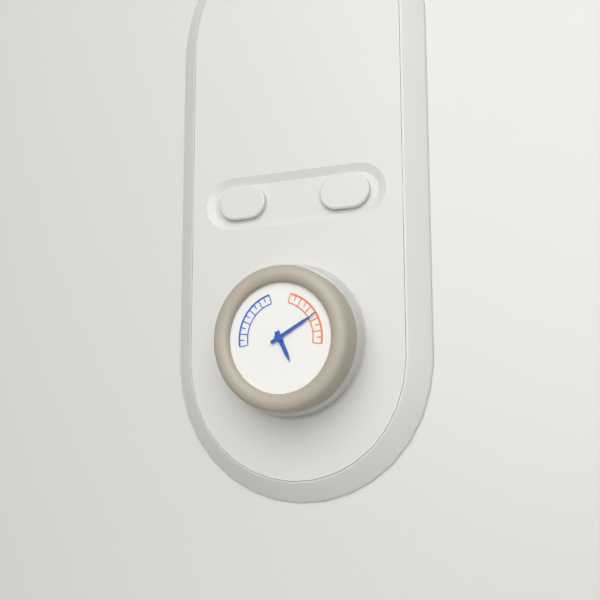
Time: **5:10**
